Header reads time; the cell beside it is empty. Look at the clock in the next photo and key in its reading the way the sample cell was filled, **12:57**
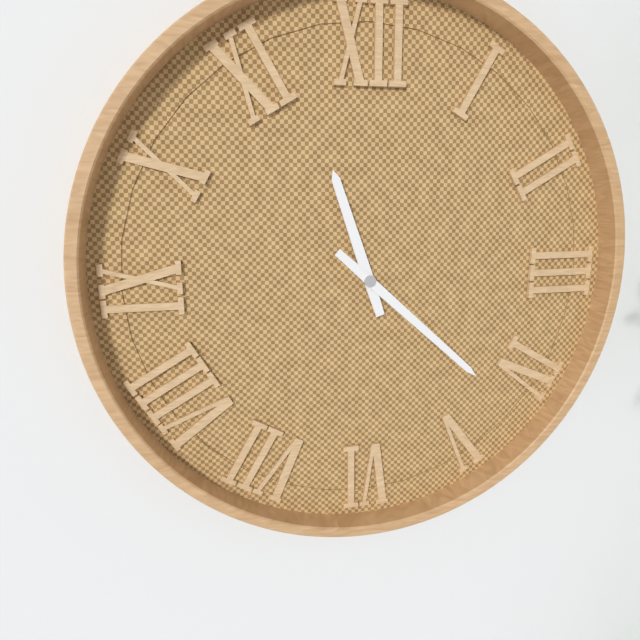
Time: **11:22**
